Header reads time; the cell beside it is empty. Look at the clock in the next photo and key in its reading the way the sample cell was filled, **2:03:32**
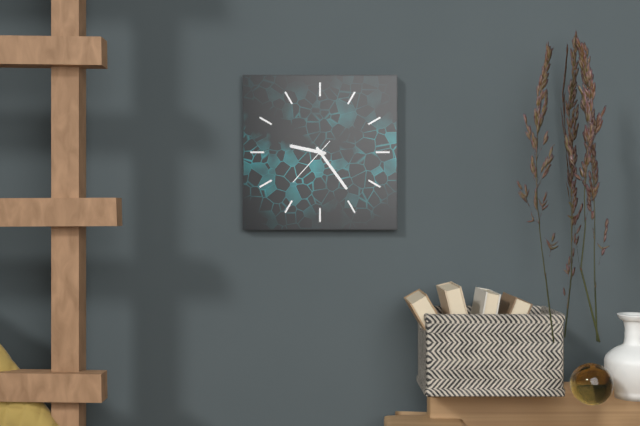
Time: **9:24:37**
